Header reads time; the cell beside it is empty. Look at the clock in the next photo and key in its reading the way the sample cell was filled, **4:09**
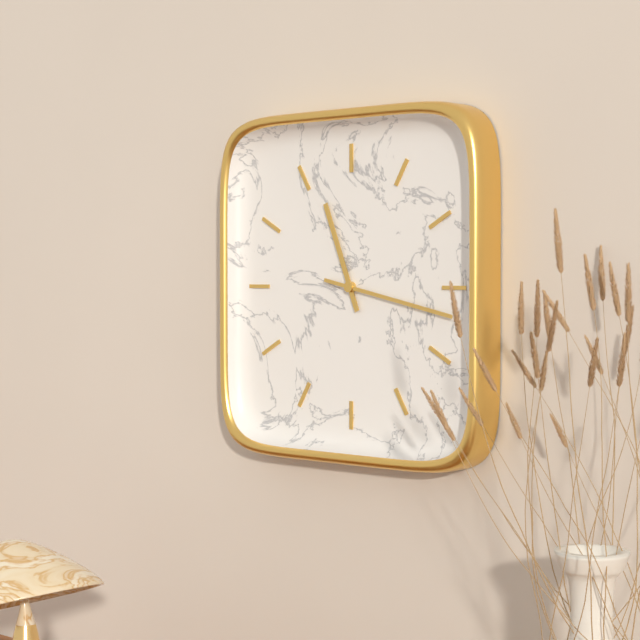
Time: **11:17**
